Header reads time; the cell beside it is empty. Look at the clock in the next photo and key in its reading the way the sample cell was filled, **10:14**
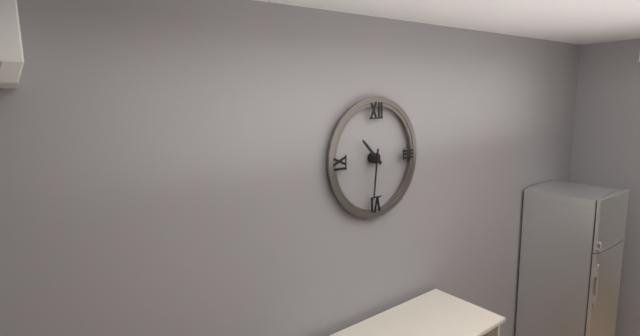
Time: **10:31**
